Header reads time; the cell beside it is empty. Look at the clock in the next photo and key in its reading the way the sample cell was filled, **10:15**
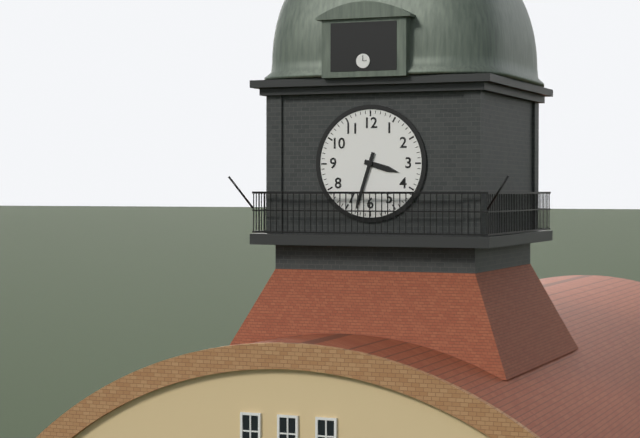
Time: **3:33**
